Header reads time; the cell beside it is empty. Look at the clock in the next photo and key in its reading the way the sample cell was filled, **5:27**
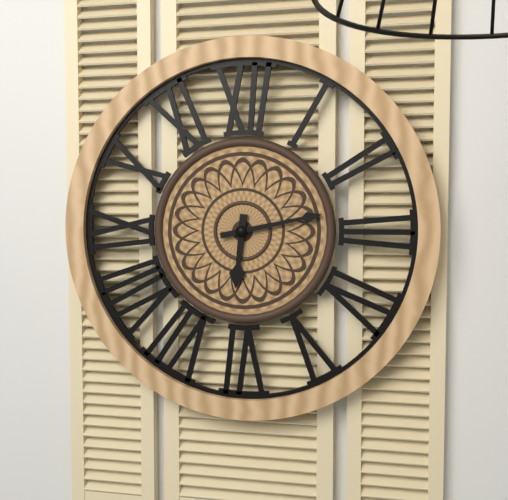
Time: **6:13**
